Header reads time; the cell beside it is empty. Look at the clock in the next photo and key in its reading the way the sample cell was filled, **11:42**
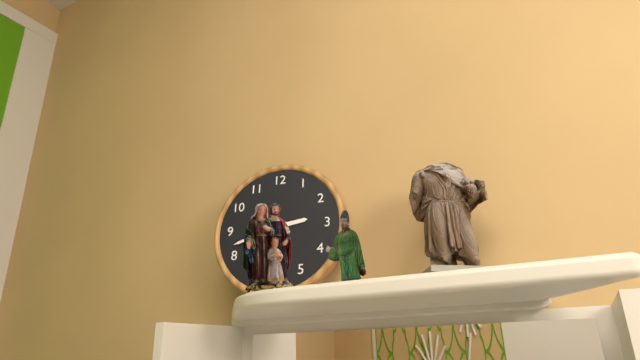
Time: **2:42**
